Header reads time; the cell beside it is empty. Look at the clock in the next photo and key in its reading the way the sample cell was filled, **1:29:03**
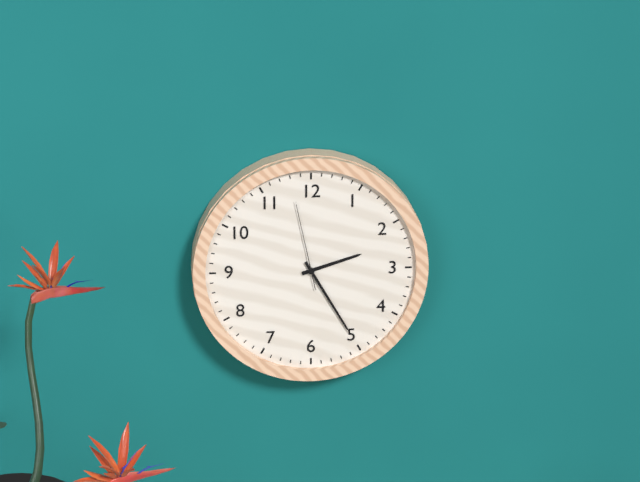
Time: **2:25:58**
